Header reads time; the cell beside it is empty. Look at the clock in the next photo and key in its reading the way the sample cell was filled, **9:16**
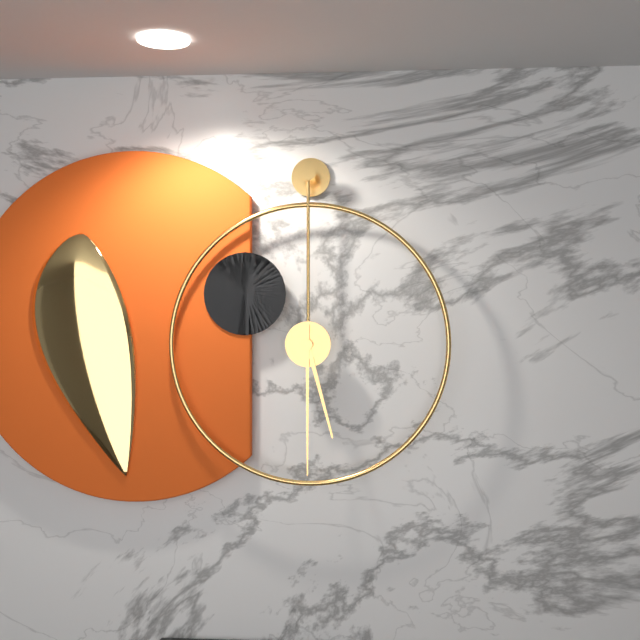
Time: **5:30**
